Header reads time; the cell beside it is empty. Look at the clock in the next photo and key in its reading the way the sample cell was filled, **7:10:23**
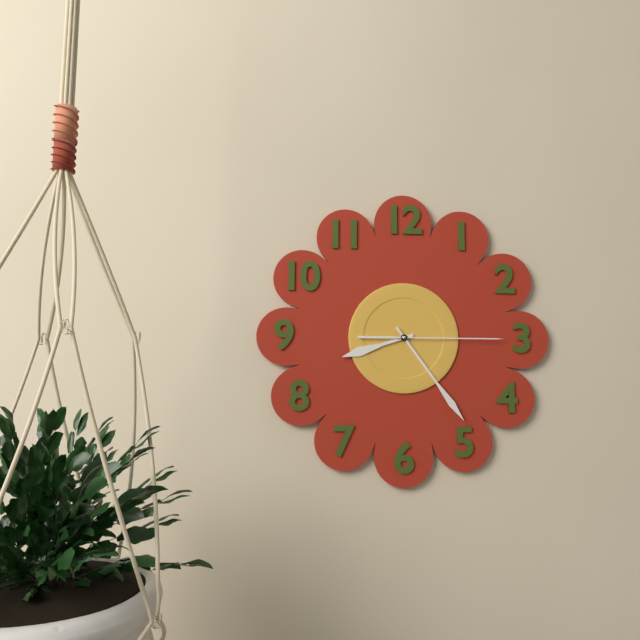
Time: **8:24:15**
